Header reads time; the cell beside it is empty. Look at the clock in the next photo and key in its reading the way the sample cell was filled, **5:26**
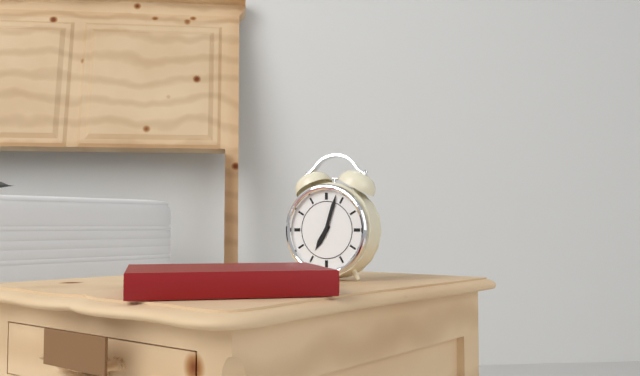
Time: **7:03**
